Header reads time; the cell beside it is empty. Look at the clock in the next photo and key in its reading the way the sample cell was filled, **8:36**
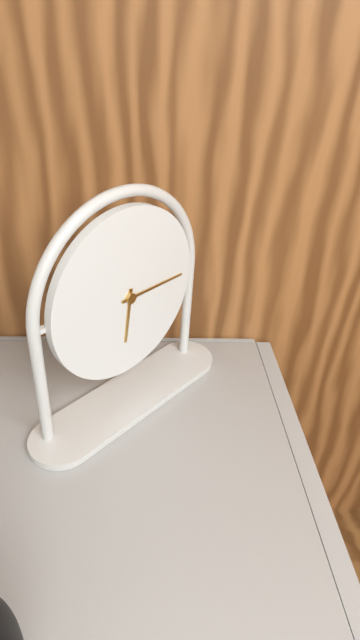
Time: **6:15**
